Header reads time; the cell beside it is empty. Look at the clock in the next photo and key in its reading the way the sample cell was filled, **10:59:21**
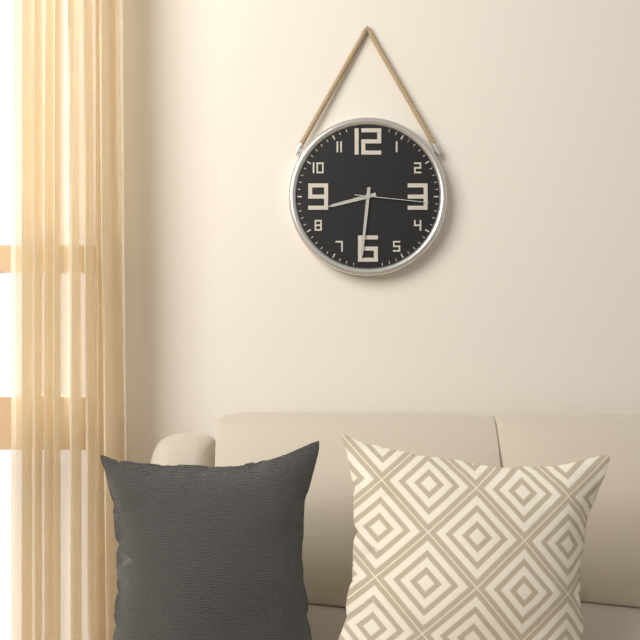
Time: **8:31:16**
